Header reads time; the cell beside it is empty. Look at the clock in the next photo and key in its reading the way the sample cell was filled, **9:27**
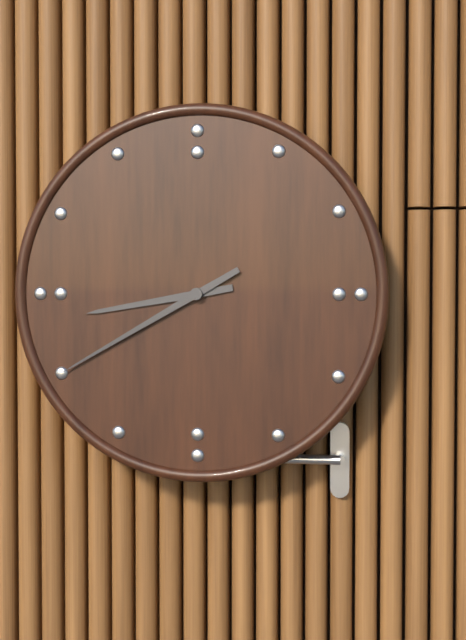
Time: **8:40**
